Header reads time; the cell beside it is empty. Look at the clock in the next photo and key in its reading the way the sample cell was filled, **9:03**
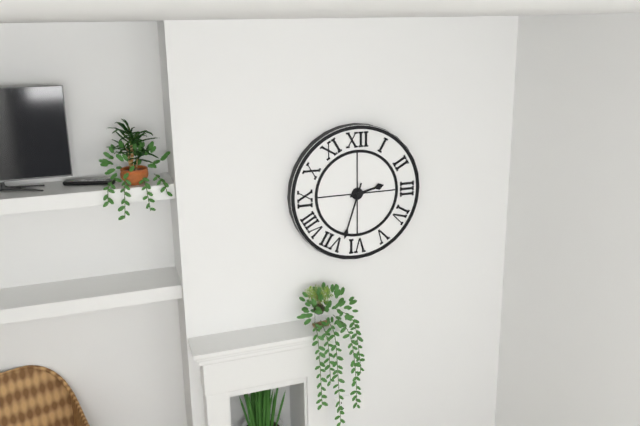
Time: **2:33**
